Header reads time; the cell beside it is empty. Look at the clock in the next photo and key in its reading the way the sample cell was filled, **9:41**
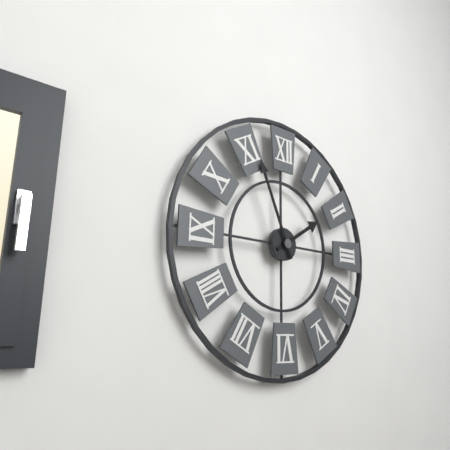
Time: **1:56**
